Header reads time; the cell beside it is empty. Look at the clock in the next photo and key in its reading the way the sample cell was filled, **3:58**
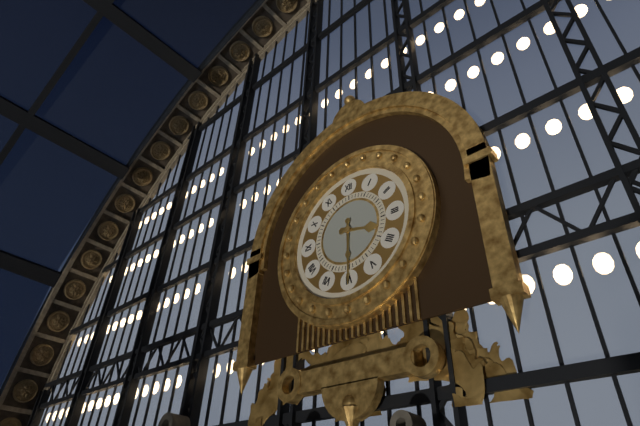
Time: **3:30**
